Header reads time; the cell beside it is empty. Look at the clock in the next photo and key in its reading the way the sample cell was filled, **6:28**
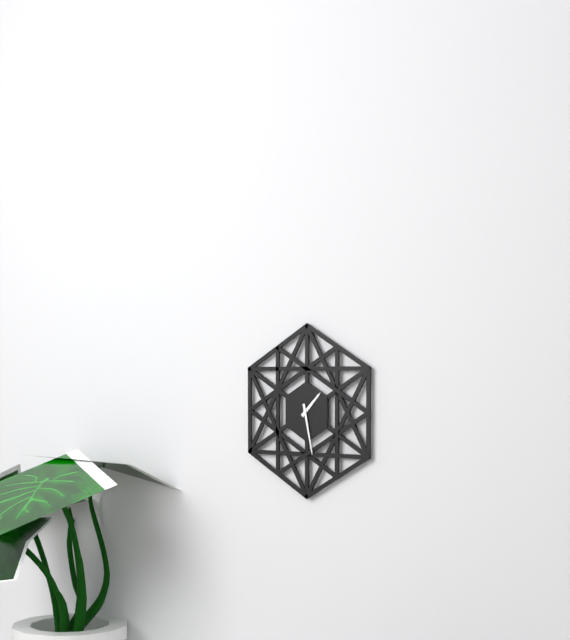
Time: **1:28**
